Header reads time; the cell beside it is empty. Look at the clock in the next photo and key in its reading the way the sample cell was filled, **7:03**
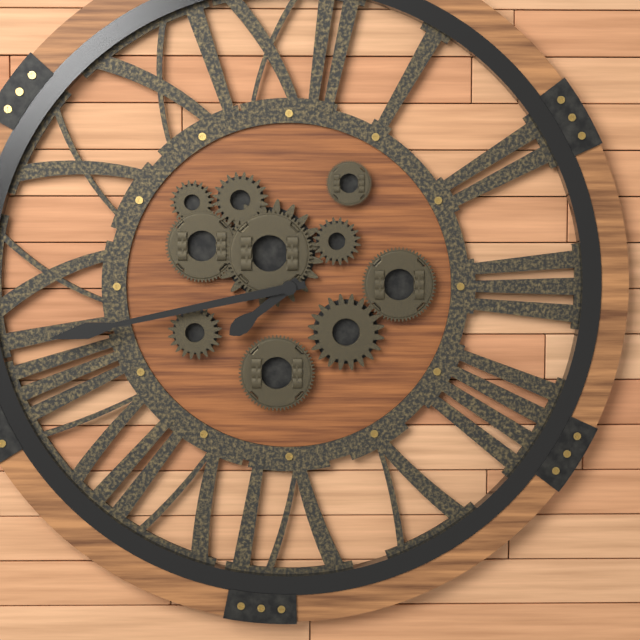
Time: **7:43**
